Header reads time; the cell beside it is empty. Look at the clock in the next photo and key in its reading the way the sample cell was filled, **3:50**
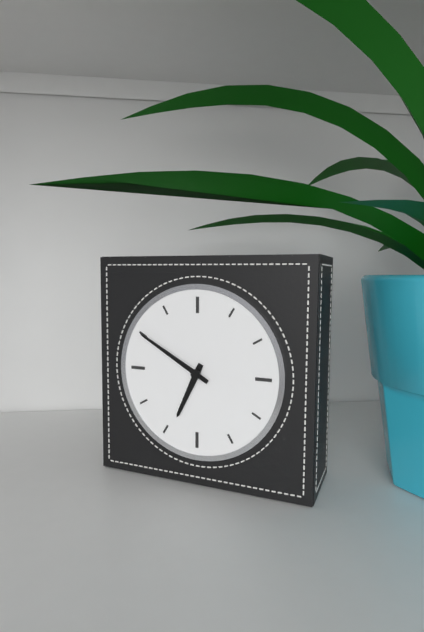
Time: **6:50**
